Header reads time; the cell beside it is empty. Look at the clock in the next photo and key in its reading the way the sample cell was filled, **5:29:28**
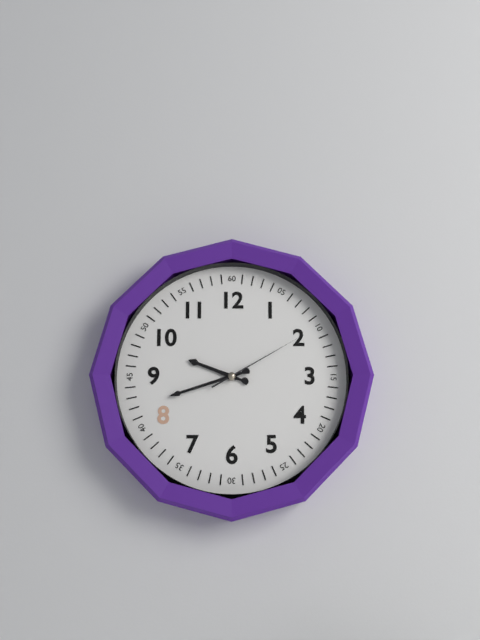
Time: **9:42:10**
